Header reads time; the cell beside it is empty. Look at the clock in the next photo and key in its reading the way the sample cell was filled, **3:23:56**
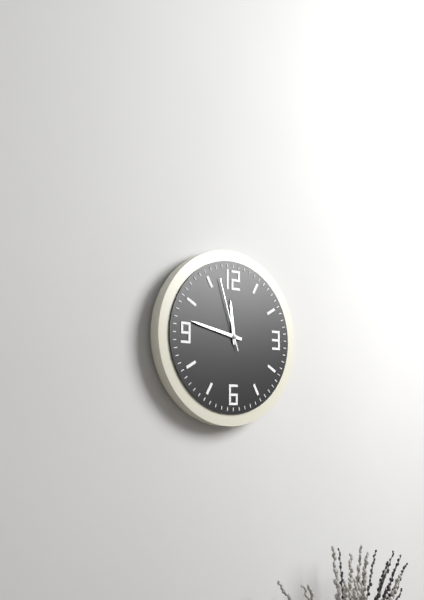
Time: **11:47:57**
